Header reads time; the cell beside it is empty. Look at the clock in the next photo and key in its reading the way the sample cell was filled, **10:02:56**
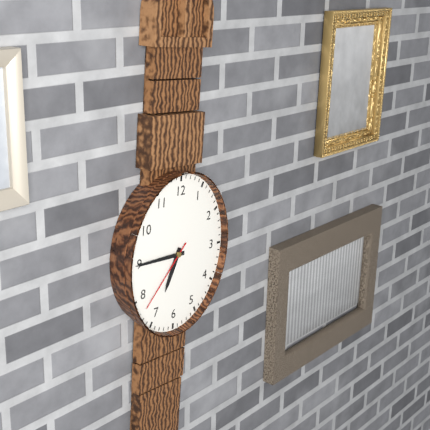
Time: **6:45:37**
